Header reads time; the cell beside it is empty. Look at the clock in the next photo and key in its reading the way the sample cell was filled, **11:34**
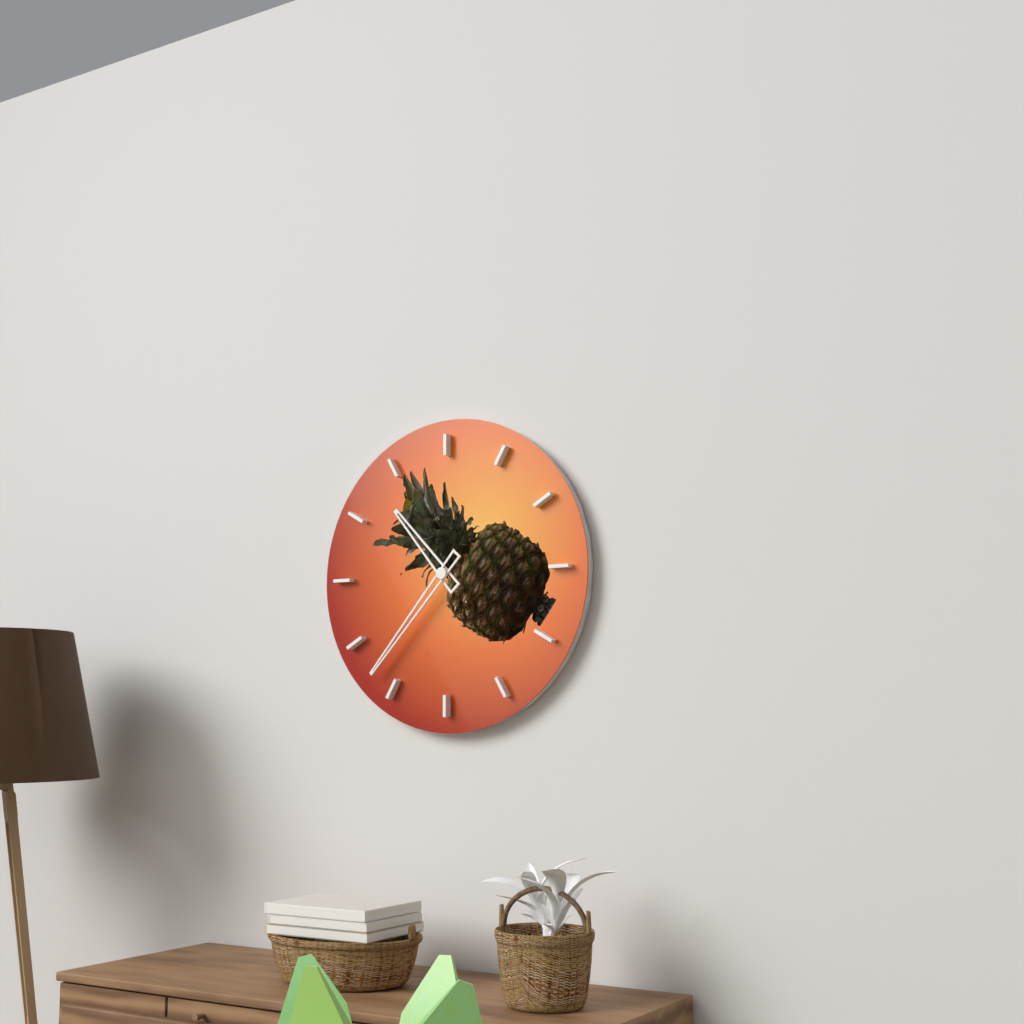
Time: **10:37**
